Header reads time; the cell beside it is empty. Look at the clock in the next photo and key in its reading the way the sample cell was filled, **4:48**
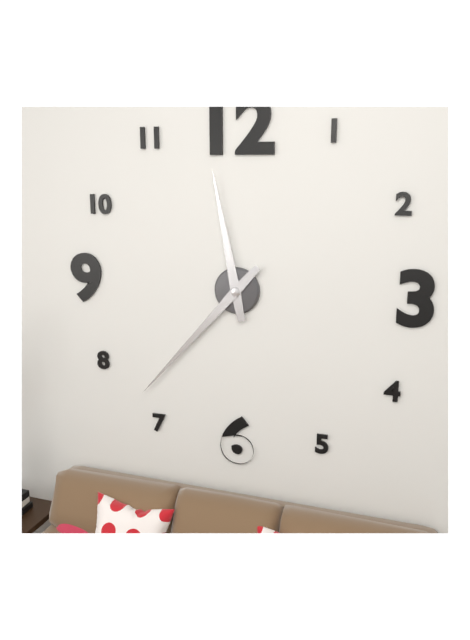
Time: **11:37**
